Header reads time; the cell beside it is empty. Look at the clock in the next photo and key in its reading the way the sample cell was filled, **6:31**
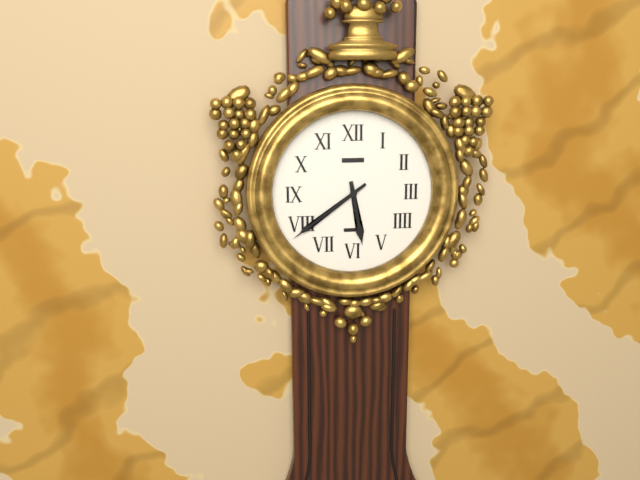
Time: **5:39**
